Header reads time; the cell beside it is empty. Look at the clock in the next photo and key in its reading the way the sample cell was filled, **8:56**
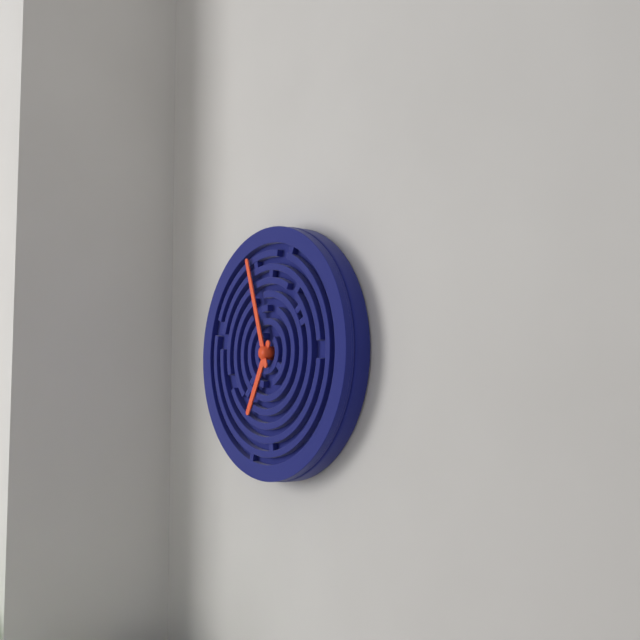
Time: **6:57**
